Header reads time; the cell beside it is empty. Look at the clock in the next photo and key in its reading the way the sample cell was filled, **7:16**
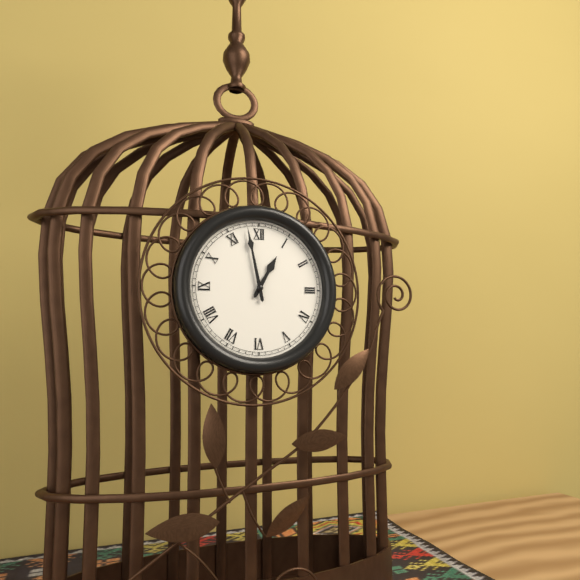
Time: **12:58**
